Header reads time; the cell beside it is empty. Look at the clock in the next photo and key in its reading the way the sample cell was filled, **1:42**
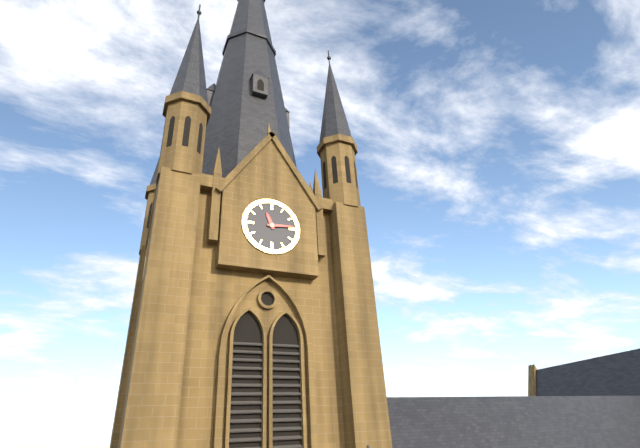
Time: **11:14**
